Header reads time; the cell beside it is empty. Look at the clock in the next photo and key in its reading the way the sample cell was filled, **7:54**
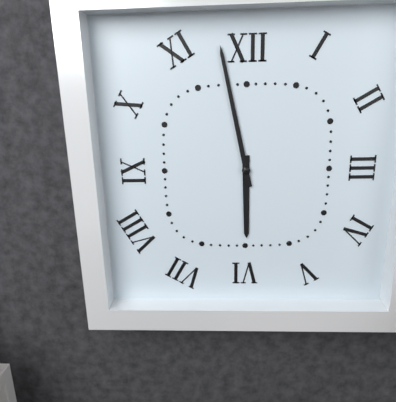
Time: **5:58**
